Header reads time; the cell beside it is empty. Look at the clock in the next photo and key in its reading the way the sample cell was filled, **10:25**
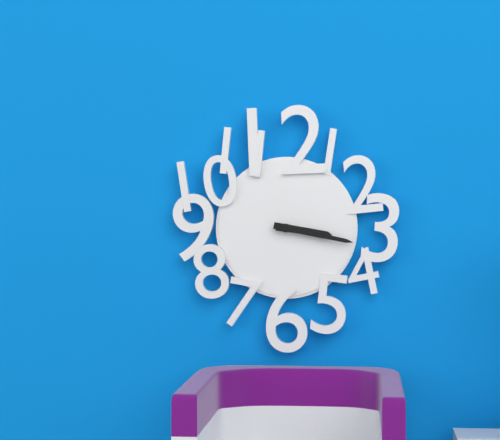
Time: **3:17**
